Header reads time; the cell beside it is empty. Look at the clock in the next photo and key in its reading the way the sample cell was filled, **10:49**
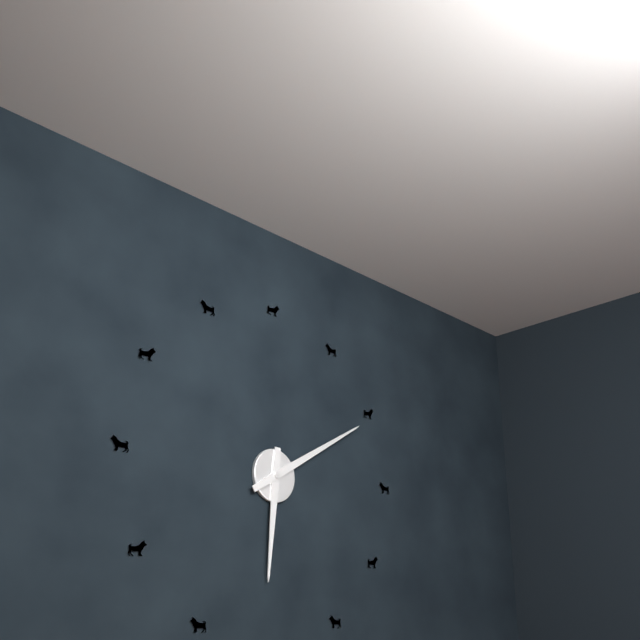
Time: **6:10**
